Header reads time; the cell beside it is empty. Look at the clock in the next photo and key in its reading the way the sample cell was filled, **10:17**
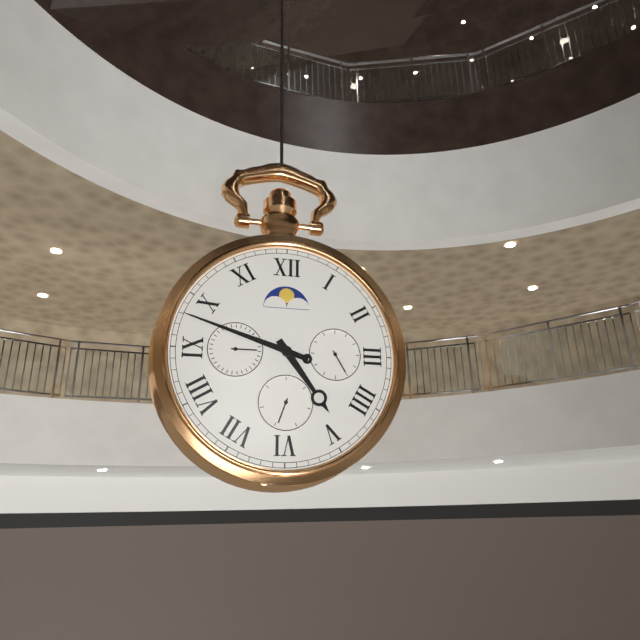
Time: **4:48**
